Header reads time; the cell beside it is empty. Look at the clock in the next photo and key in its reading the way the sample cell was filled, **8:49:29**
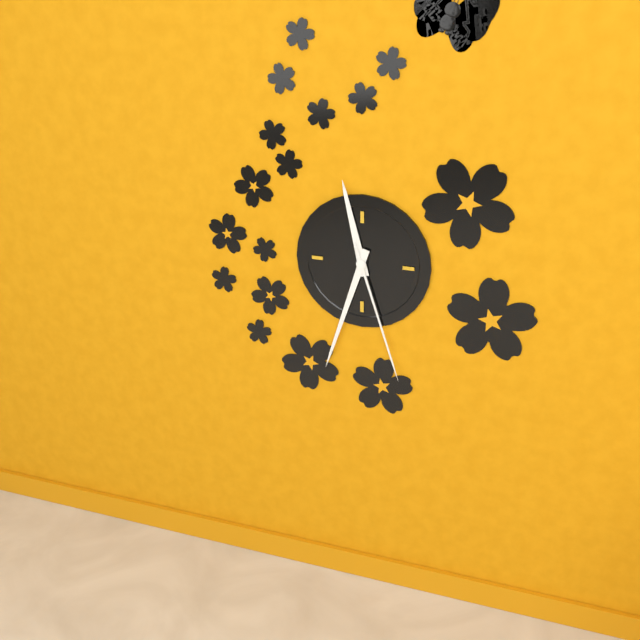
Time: **11:33:27**
